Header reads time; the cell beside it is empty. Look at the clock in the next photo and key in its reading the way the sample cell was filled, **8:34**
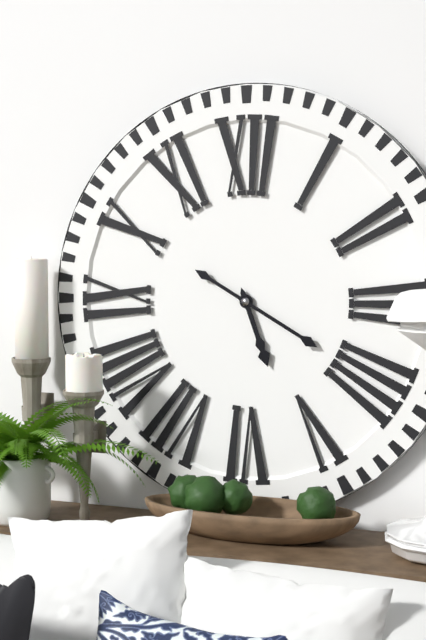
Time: **5:20**
